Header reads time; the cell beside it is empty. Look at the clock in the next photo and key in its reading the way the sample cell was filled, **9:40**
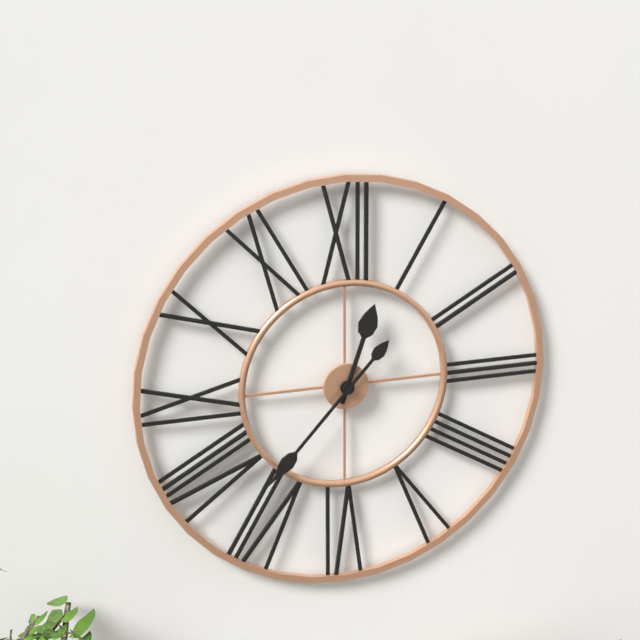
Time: **12:37**
